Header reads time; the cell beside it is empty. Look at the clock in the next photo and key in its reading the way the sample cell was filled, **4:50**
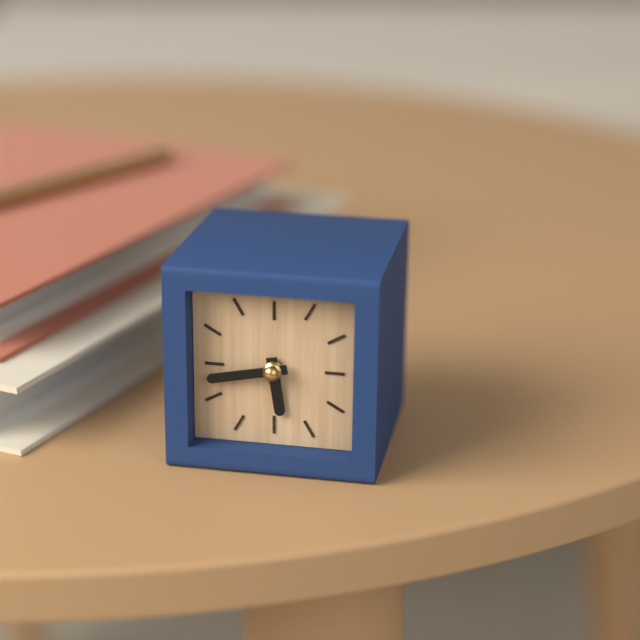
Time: **5:43**
